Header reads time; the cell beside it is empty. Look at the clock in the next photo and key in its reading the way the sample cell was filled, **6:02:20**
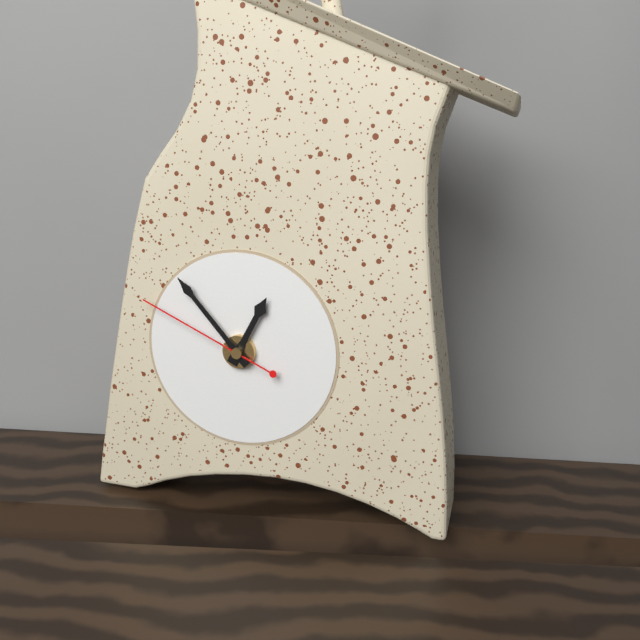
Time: **12:53:49**
